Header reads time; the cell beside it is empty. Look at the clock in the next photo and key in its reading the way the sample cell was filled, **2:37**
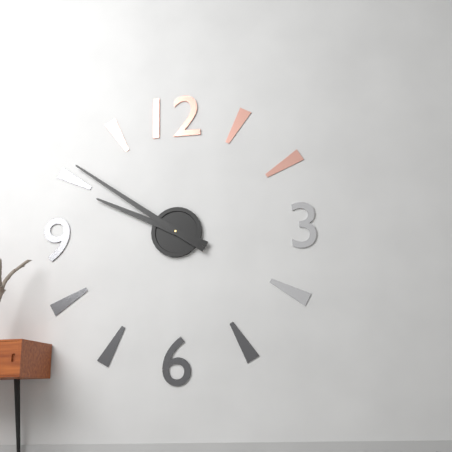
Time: **9:51**
